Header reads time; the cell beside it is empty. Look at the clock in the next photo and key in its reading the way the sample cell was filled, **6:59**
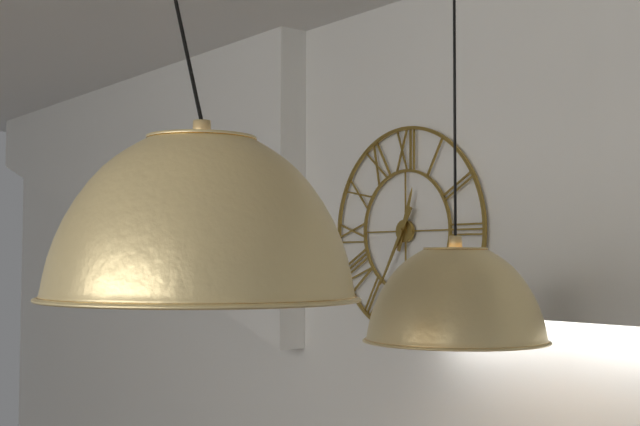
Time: **12:35**
